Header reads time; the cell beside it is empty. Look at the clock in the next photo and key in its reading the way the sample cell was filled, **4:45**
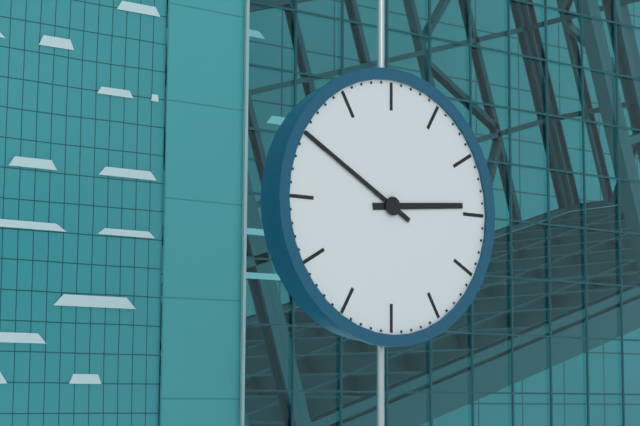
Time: **2:50**
